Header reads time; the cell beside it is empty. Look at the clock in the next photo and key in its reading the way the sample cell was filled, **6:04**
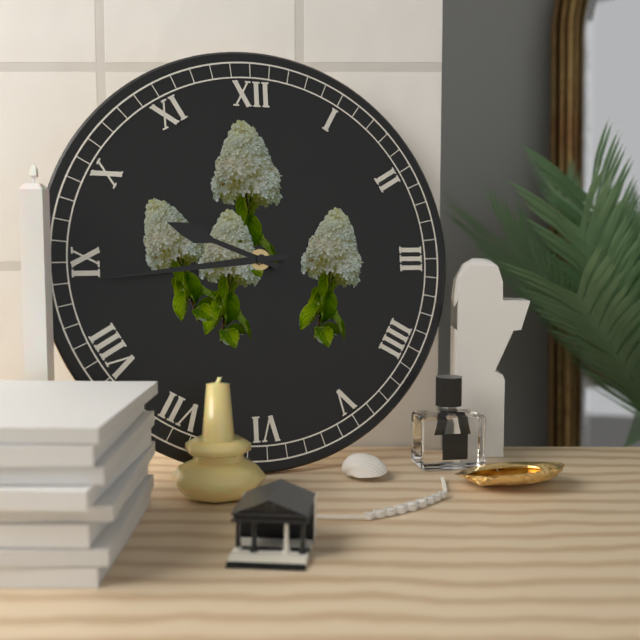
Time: **9:44**
